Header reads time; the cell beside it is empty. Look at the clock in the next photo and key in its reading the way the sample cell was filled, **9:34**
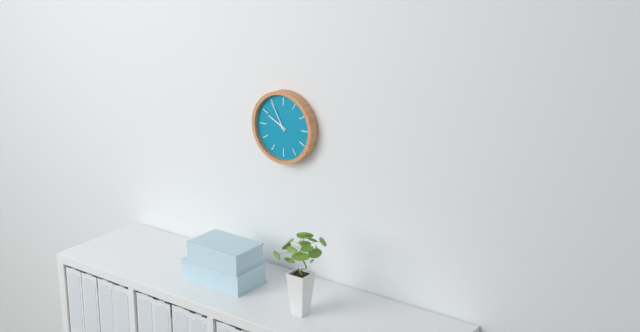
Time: **9:55**
